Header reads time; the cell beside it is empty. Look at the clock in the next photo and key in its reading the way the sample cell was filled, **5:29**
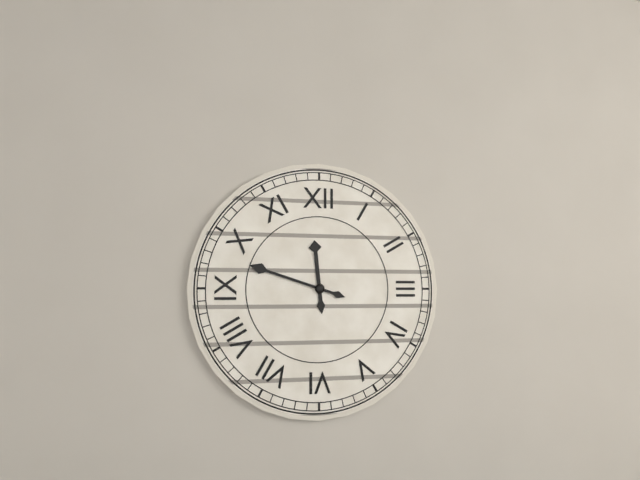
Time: **11:48**
